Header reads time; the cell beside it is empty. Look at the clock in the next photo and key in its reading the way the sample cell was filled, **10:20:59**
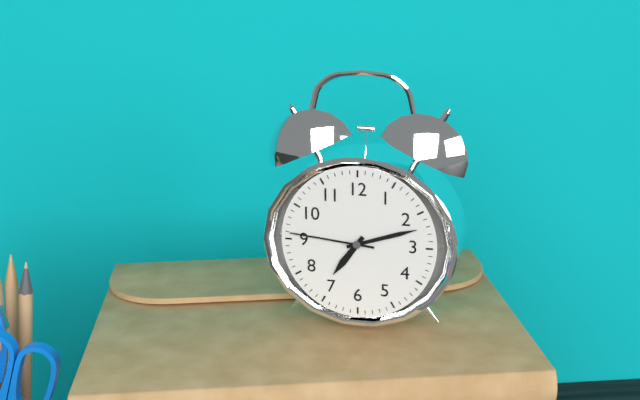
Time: **7:12:46**
